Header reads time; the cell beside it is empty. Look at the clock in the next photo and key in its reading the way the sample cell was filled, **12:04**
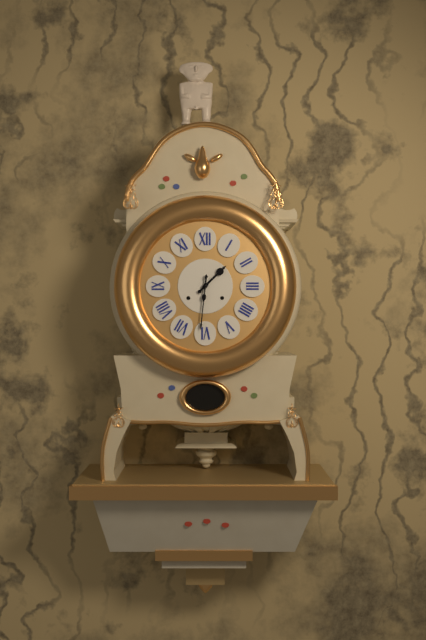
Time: **1:31**
